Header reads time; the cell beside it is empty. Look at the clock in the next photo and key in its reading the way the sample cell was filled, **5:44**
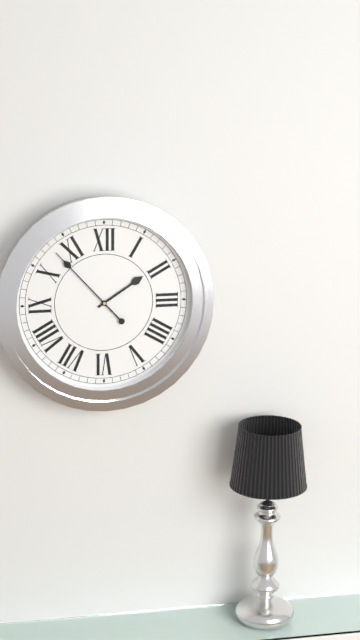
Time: **1:53**
